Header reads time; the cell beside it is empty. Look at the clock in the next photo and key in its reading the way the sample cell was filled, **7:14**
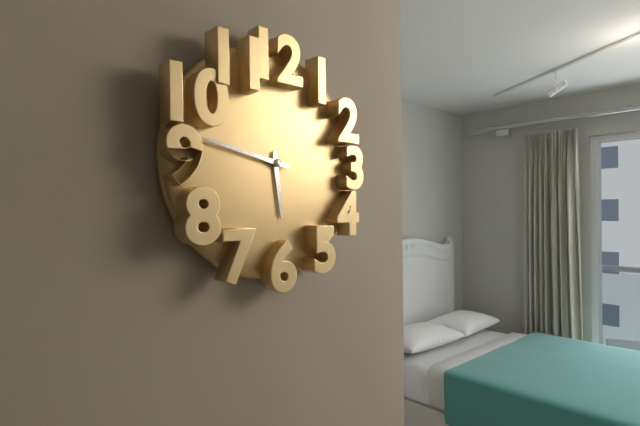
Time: **5:47**
